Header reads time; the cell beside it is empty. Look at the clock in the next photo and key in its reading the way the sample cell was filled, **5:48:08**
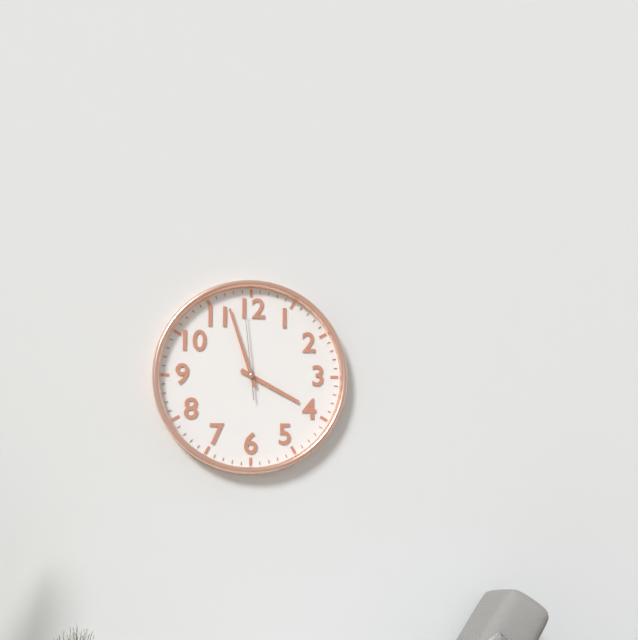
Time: **3:57:59**
